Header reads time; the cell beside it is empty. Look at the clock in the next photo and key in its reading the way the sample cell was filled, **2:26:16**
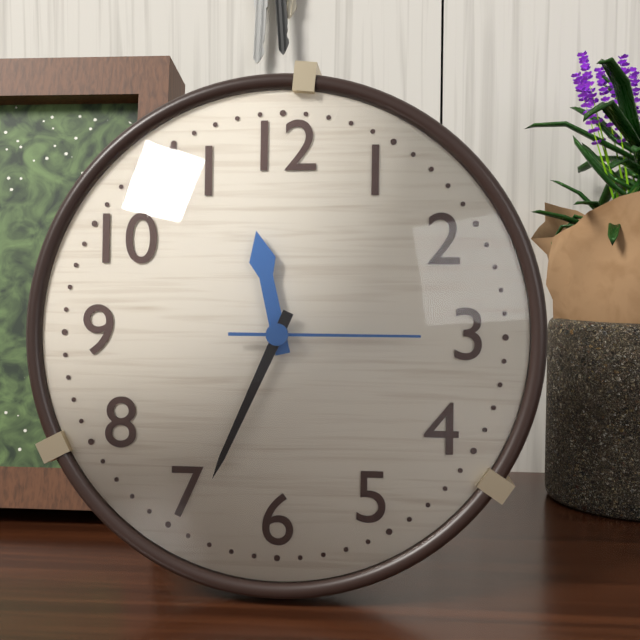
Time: **11:34:15**
